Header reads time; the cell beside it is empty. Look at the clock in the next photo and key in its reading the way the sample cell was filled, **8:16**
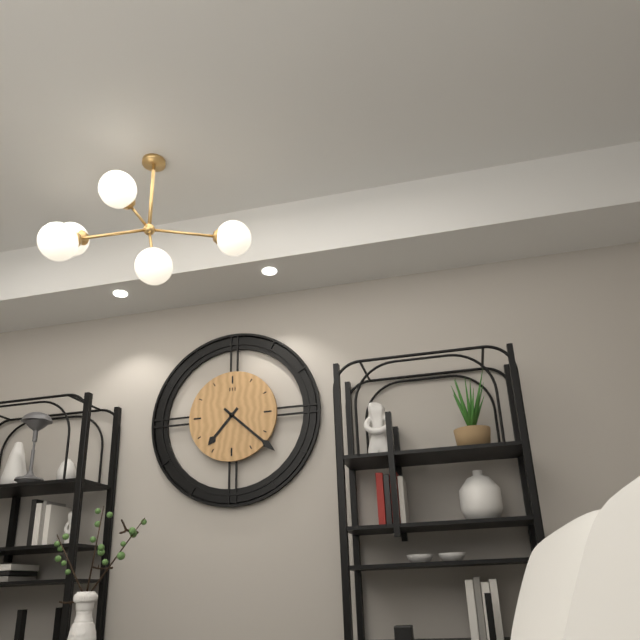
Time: **7:22**
